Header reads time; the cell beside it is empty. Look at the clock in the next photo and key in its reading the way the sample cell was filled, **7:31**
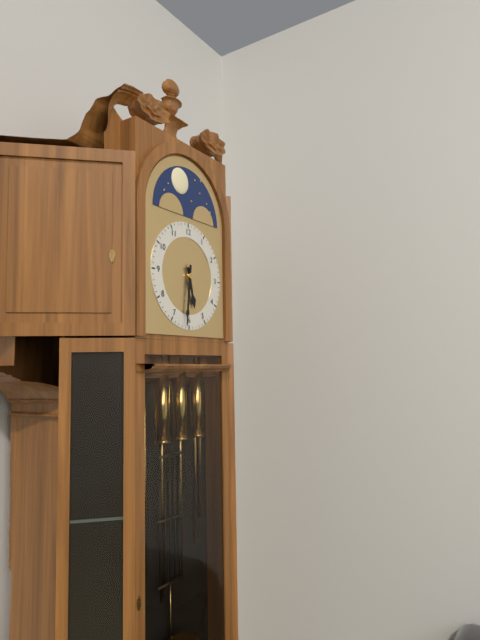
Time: **5:31**
